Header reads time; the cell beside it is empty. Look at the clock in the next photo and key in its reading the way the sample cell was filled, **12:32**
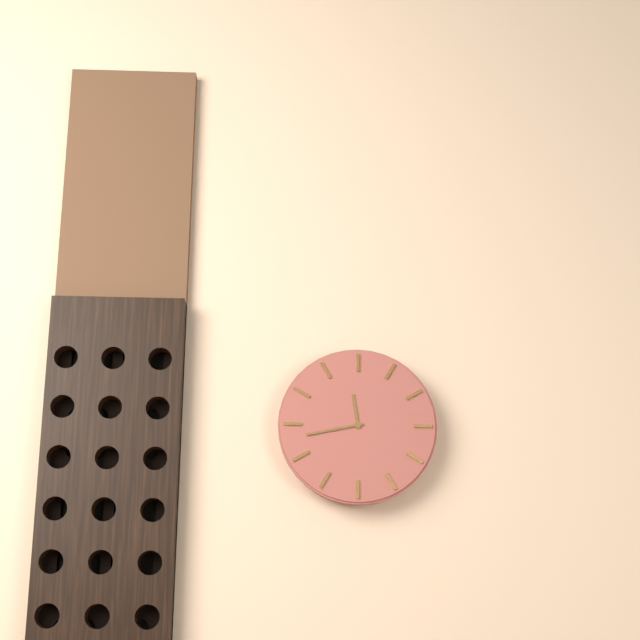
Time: **11:43**
